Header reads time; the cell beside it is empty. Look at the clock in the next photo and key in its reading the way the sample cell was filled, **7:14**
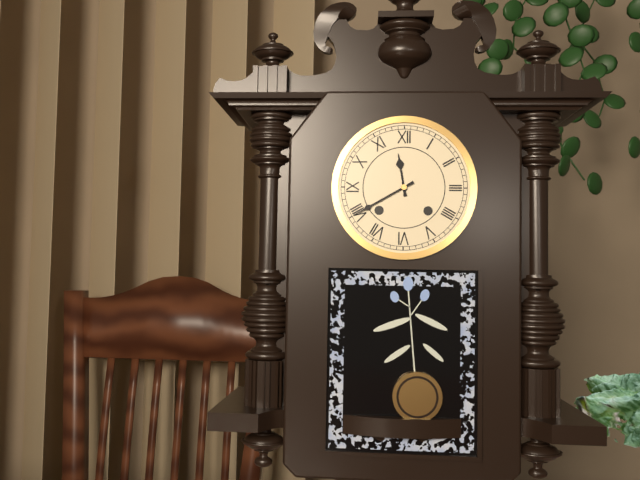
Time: **11:40**
